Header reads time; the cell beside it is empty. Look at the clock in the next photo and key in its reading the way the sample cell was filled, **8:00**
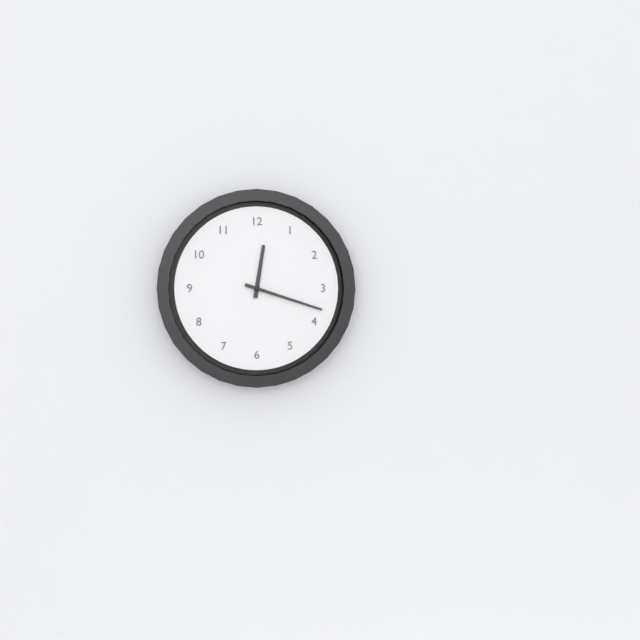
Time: **12:18**
